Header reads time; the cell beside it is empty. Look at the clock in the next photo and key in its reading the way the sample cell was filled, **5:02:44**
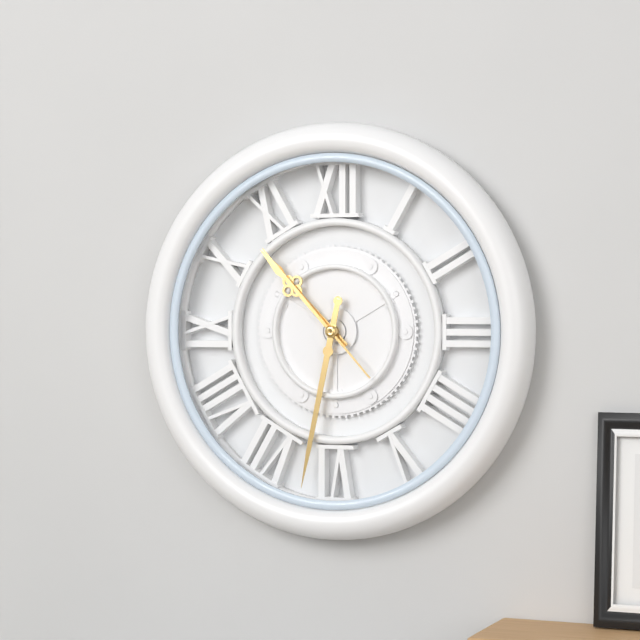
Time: **10:32:53**
